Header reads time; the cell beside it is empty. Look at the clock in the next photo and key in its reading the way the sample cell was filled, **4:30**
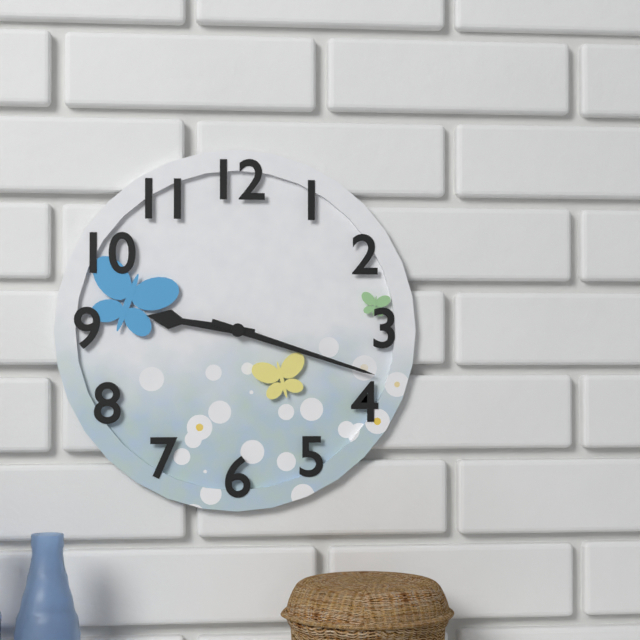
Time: **9:18**
